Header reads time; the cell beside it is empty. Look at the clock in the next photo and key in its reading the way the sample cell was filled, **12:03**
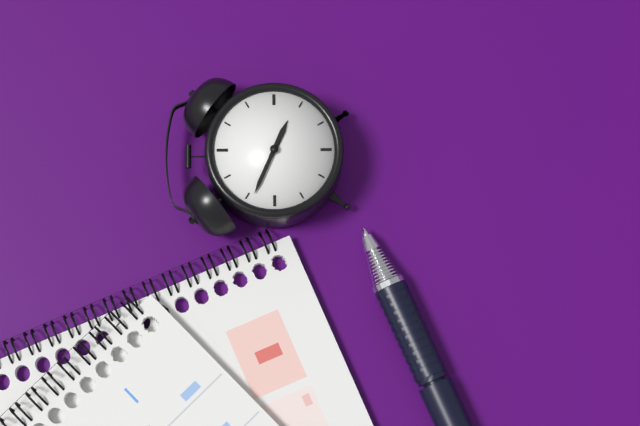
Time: **3:49**
